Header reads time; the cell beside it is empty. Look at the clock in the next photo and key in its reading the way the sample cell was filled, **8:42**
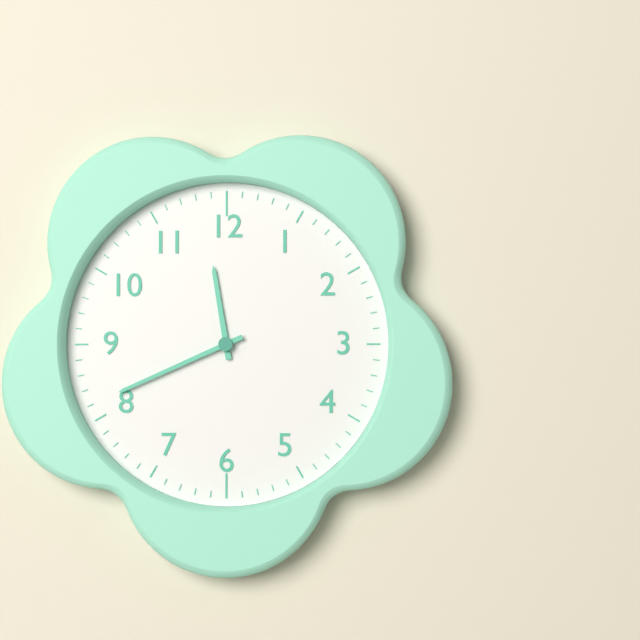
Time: **11:41**
